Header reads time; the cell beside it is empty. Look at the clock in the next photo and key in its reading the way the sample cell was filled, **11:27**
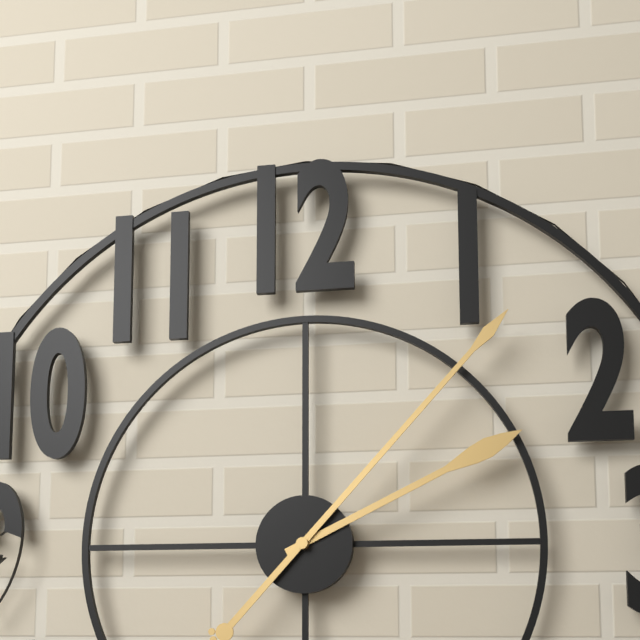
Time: **2:07**
